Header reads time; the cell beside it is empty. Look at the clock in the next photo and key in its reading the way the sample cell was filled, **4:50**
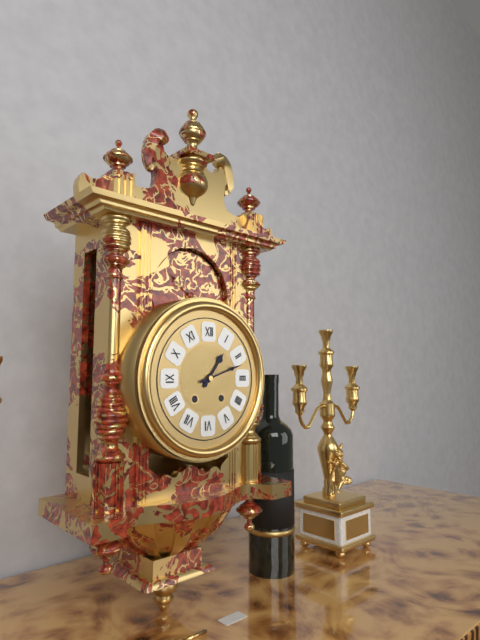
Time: **1:12**
